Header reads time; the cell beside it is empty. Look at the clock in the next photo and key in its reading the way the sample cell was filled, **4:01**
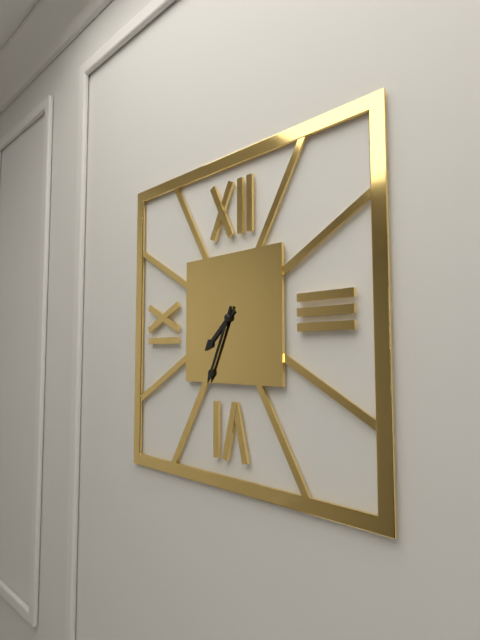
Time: **7:34**
